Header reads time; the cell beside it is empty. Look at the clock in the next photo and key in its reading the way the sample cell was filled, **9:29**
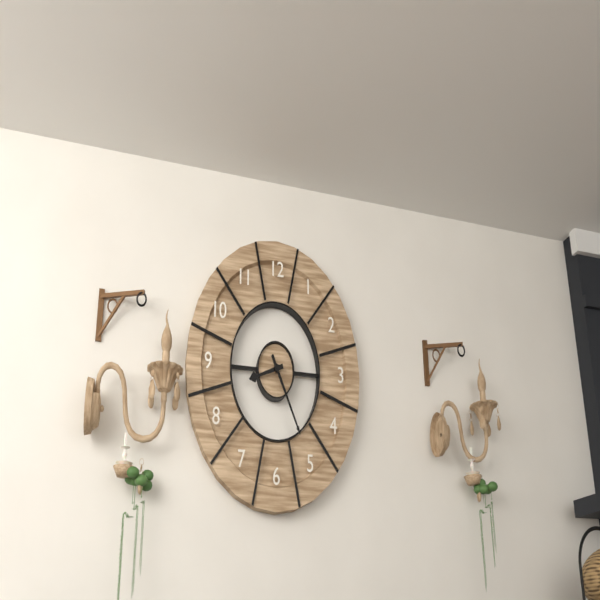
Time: **8:25**
